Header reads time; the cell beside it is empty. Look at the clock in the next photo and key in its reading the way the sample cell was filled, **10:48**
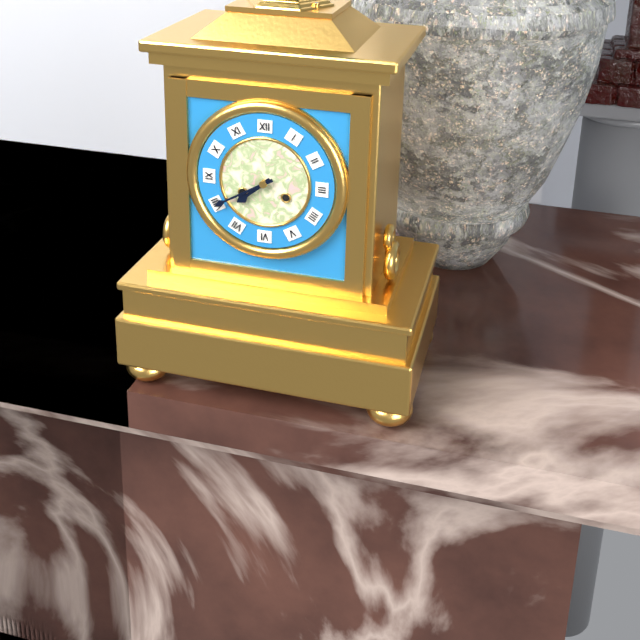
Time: **7:40**
